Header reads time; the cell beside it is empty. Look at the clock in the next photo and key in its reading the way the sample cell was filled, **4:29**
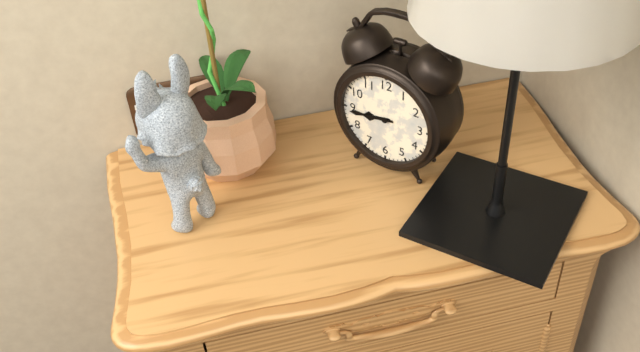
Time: **8:44**
